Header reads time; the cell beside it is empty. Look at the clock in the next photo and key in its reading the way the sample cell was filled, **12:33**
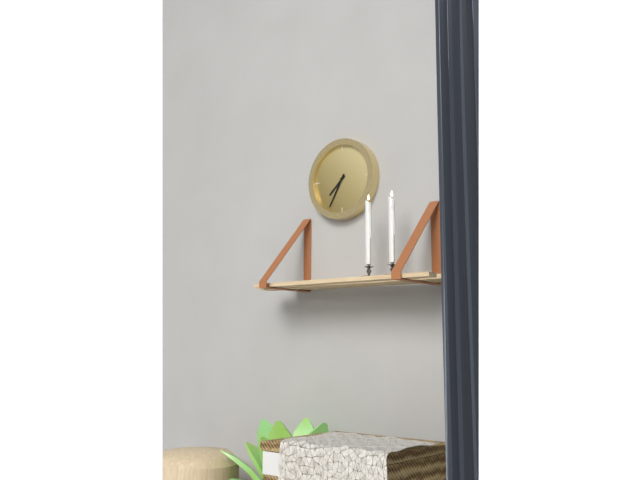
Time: **7:35**
